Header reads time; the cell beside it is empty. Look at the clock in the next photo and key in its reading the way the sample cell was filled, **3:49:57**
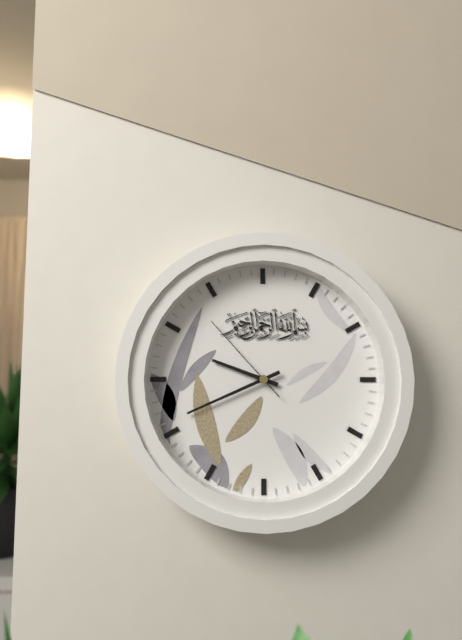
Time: **9:41:53**
